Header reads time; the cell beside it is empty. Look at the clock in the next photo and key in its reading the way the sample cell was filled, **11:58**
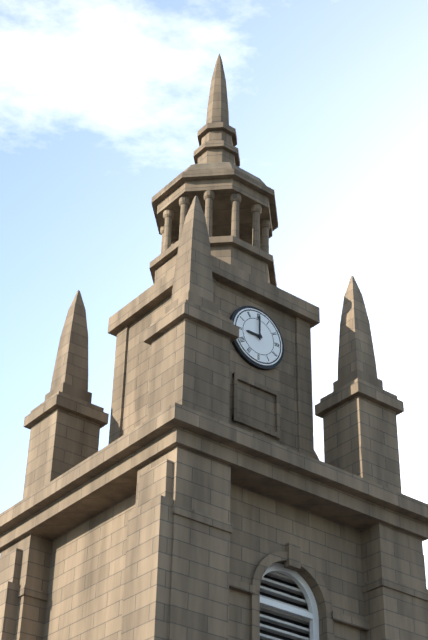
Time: **9:00**
